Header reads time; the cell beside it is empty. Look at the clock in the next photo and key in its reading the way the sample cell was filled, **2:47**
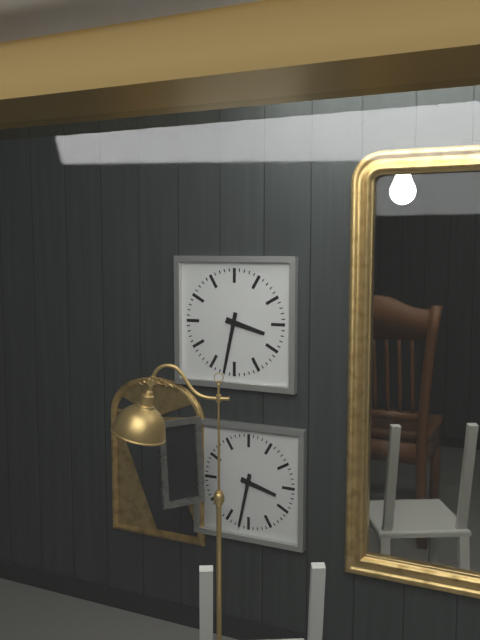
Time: **3:32**
